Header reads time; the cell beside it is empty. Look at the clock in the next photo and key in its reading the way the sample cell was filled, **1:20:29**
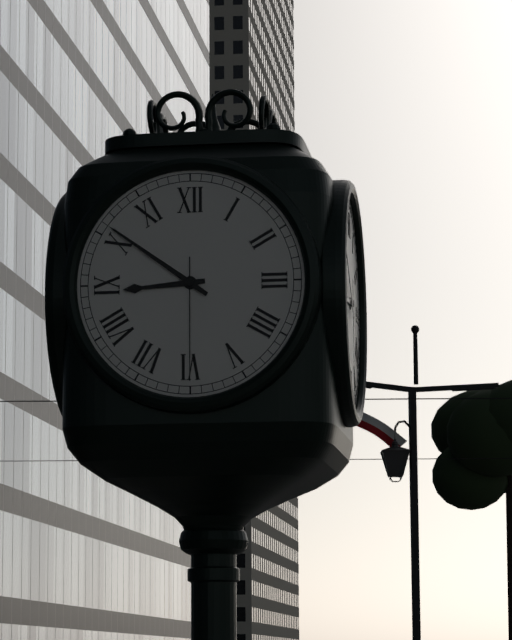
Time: **8:51:30**
